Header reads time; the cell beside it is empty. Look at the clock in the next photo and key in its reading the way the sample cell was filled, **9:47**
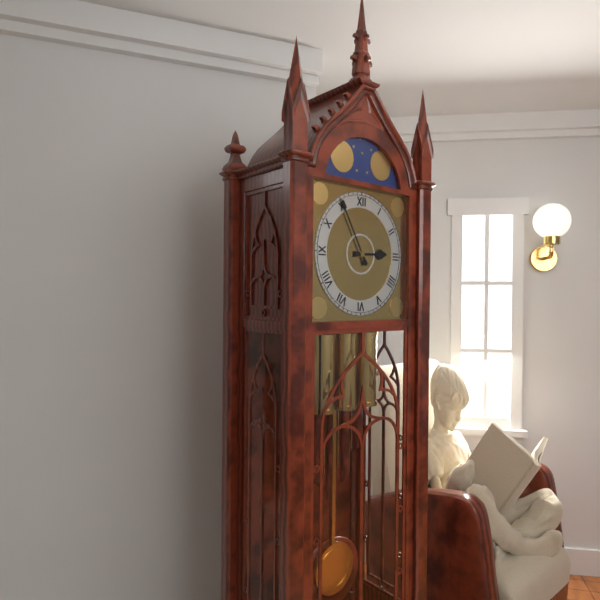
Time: **2:55**
